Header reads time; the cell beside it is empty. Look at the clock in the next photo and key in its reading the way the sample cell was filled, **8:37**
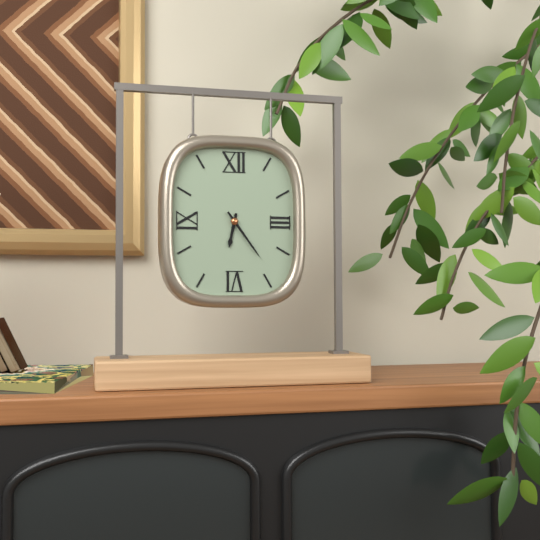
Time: **6:24**
